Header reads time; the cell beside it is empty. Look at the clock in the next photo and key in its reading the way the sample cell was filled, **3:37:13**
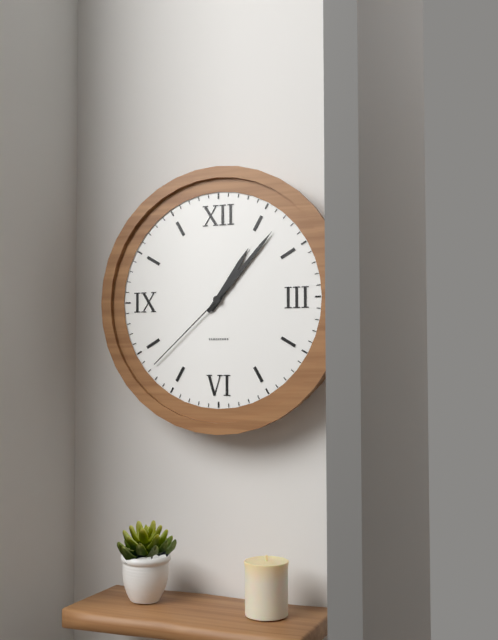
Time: **1:07:38**
